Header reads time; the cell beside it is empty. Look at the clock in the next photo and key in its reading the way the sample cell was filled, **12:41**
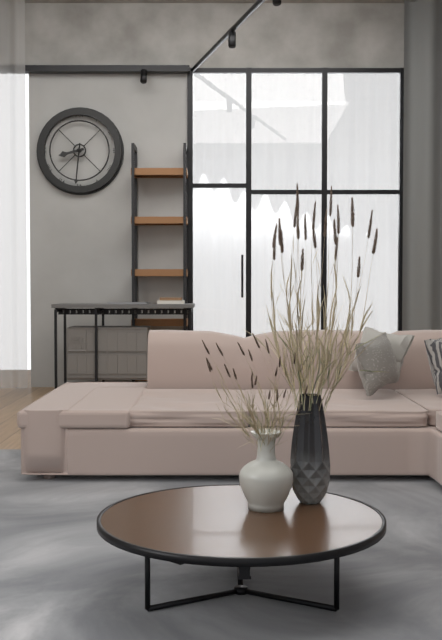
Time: **8:31**
